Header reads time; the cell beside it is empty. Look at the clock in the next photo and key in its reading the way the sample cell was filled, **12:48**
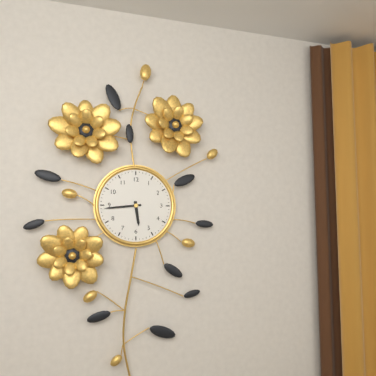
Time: **5:44**
